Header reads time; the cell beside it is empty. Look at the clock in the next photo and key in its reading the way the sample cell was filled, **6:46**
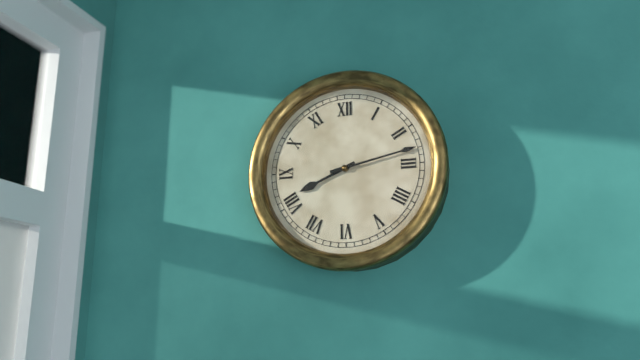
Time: **8:13**
